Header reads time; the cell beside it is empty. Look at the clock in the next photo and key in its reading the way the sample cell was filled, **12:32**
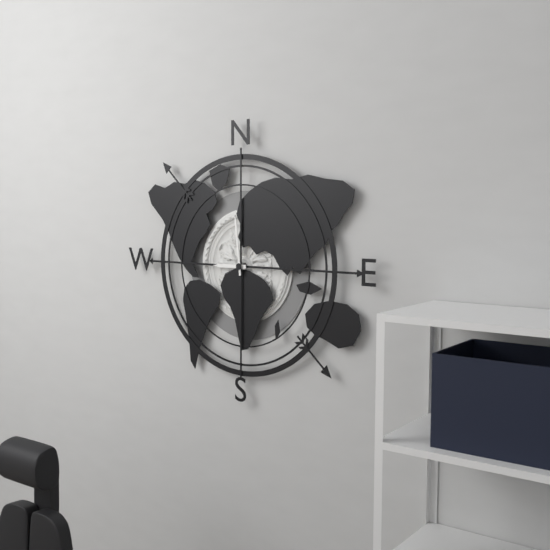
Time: **8:59**
